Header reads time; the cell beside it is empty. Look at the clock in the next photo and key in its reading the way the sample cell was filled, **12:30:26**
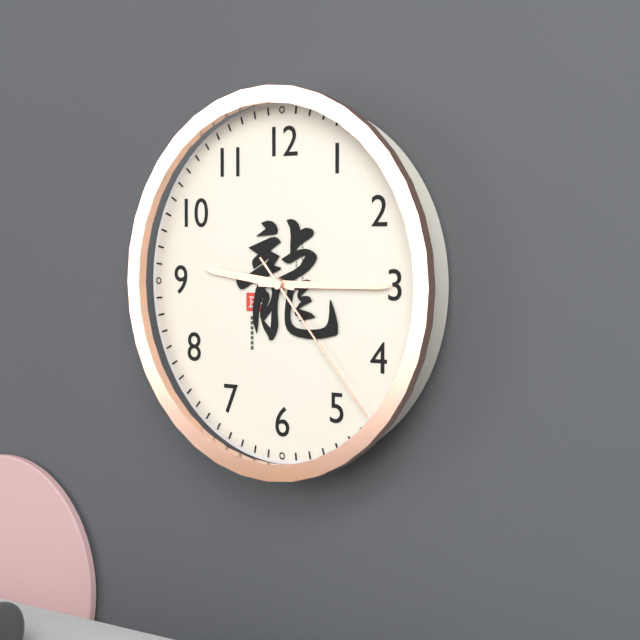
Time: **9:15:23**
